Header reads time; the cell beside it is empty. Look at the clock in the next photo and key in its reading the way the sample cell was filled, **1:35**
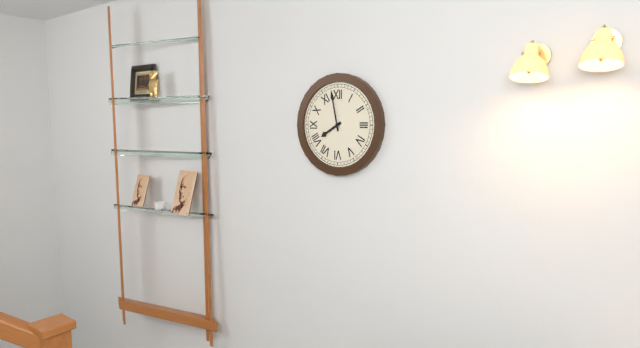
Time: **7:58**
